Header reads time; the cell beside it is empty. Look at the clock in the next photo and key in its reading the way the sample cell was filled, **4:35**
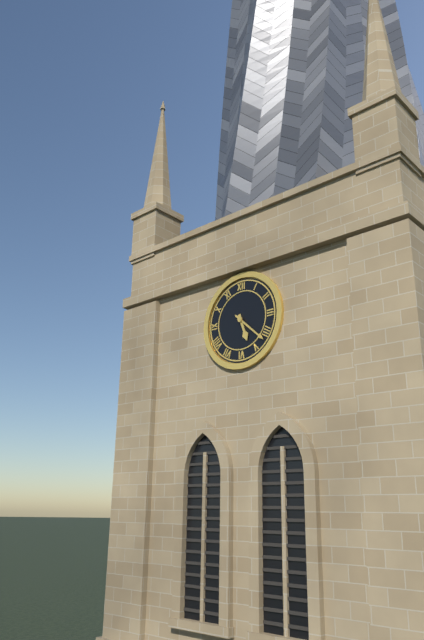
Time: **5:22**
